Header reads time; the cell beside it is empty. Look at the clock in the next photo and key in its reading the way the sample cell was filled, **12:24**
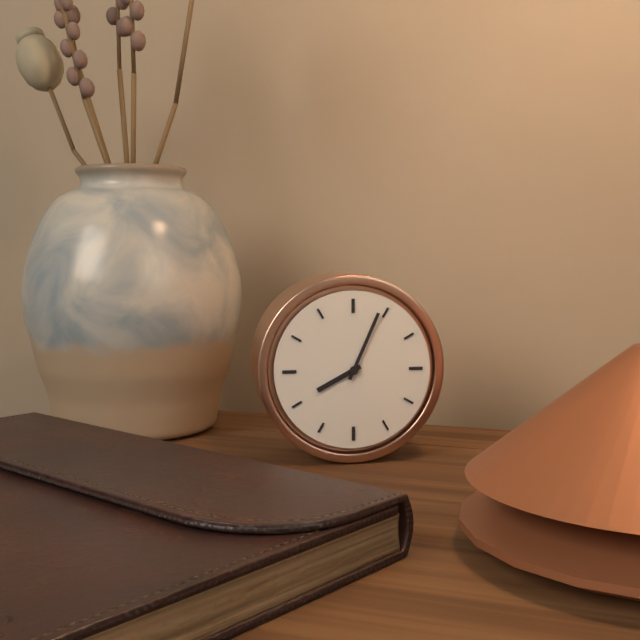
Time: **8:04**
